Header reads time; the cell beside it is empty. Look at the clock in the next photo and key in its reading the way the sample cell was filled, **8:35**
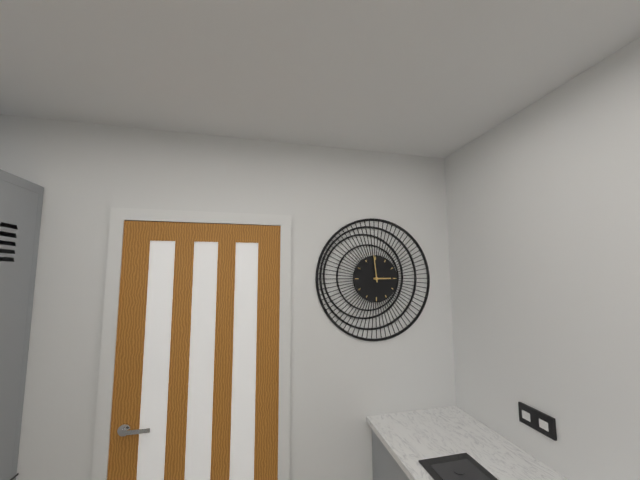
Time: **2:59**
